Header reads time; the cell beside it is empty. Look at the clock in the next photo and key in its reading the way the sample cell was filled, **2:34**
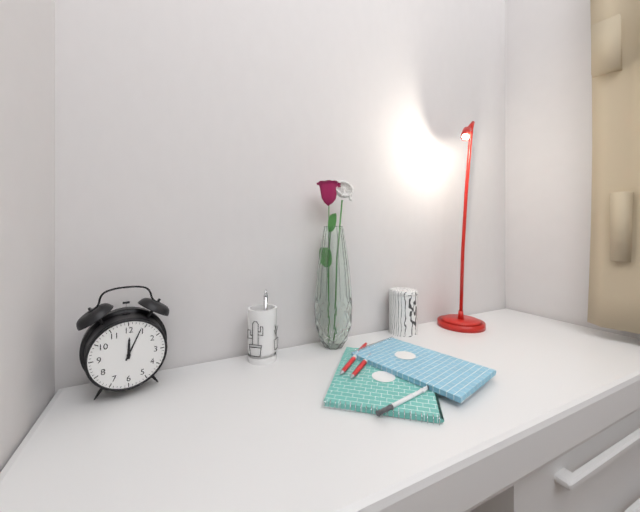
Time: **12:04**
